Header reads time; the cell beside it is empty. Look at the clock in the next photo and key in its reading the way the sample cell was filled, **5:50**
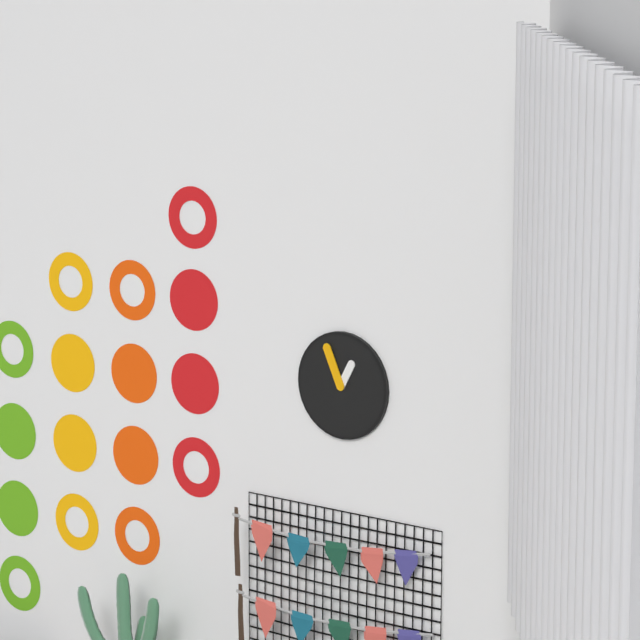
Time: **12:56**
